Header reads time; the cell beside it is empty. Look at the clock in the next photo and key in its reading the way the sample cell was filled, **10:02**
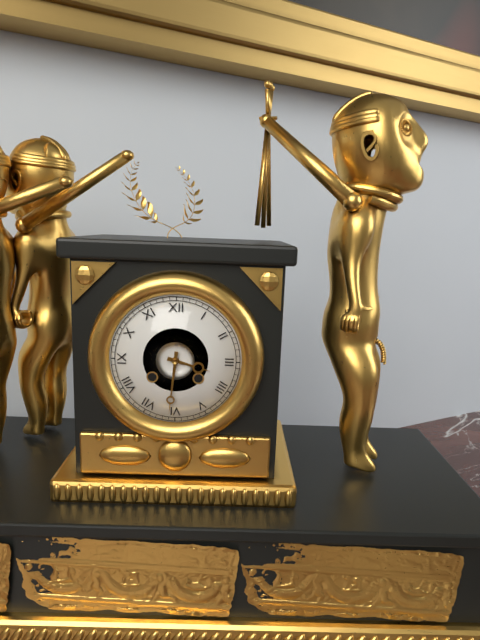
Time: **3:31**
